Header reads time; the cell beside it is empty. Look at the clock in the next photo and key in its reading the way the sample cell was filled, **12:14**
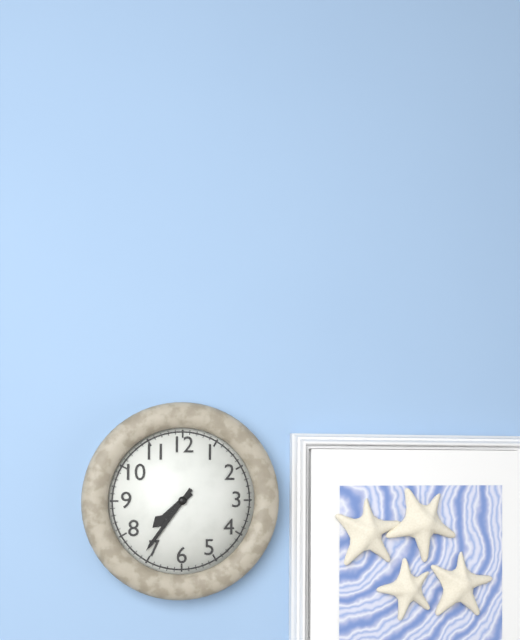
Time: **7:36**
